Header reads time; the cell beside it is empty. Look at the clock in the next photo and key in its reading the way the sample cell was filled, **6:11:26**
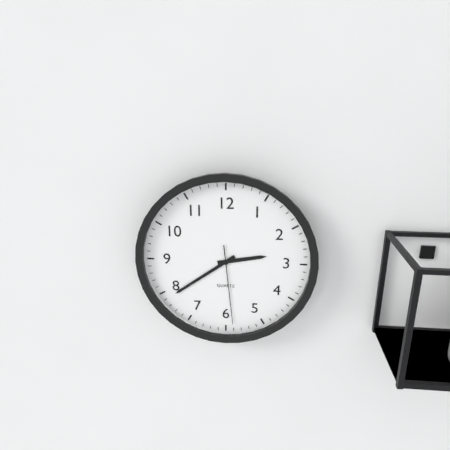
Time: **2:39:29**
